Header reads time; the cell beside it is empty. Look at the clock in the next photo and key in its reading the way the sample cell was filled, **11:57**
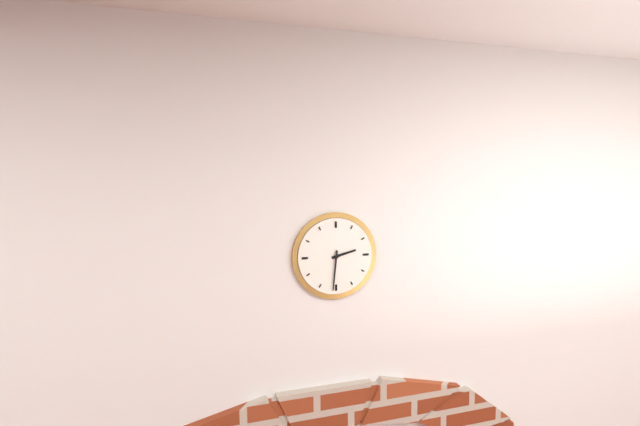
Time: **2:31**
